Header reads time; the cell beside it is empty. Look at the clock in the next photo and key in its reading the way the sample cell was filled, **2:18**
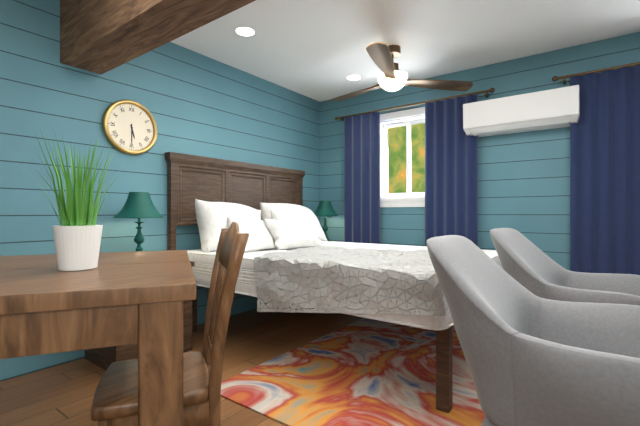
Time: **5:30**
